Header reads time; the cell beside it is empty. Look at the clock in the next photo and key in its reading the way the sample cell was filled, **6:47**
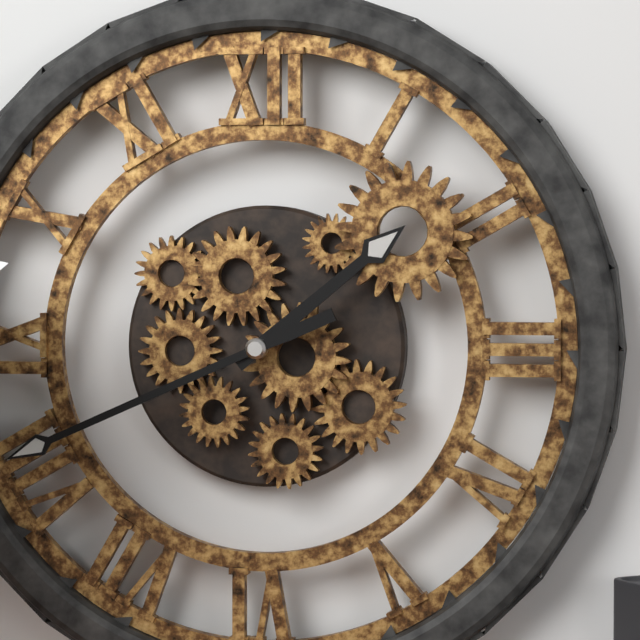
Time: **1:41**
